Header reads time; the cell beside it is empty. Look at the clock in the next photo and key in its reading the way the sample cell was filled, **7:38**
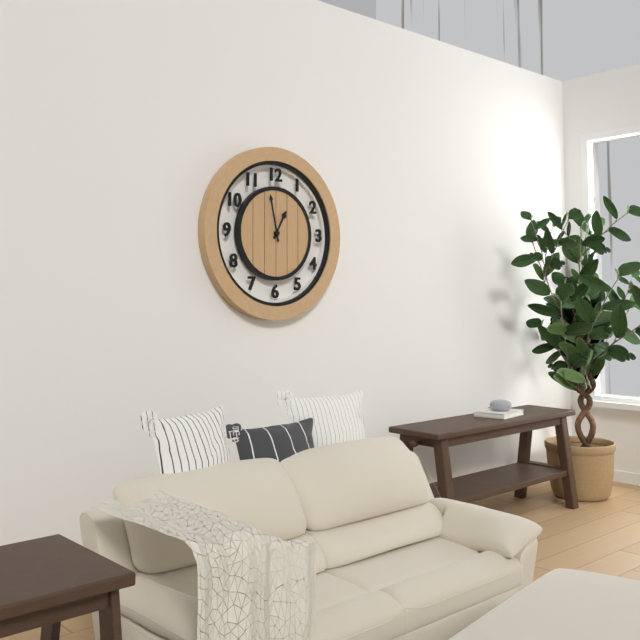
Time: **12:58**
